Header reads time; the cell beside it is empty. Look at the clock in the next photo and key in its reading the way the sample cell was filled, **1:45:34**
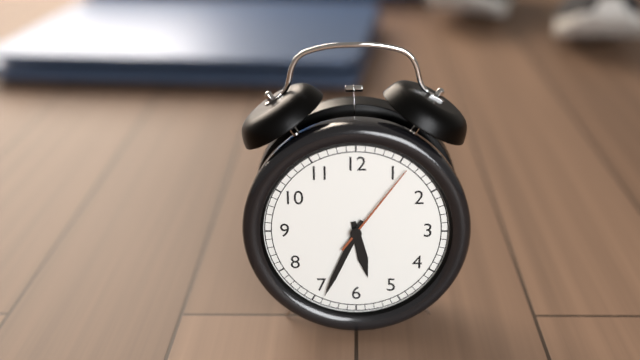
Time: **5:34:06**
